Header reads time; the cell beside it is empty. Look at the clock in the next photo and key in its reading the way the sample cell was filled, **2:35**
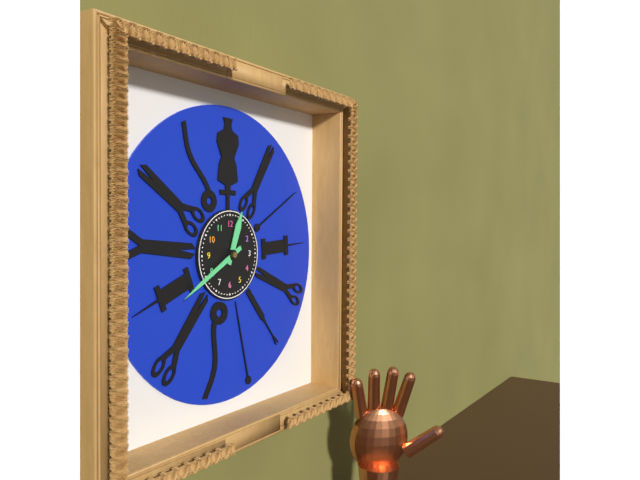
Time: **12:40**
